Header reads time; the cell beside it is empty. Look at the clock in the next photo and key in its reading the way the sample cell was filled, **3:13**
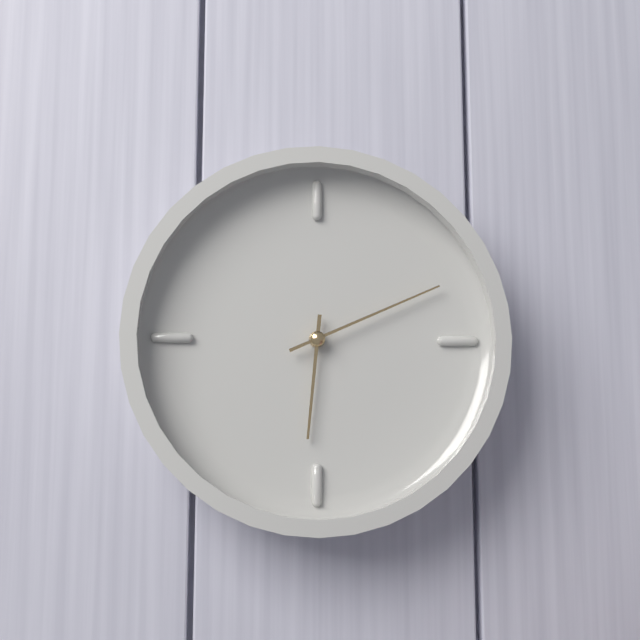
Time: **6:11**
